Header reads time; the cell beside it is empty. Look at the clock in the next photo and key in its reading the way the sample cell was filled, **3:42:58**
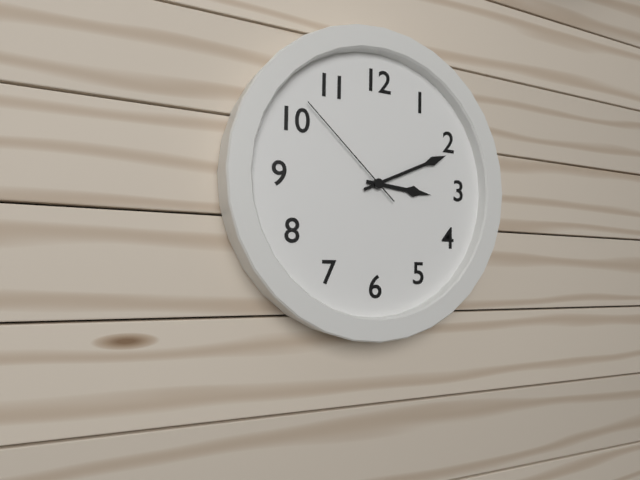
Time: **3:11:52**
